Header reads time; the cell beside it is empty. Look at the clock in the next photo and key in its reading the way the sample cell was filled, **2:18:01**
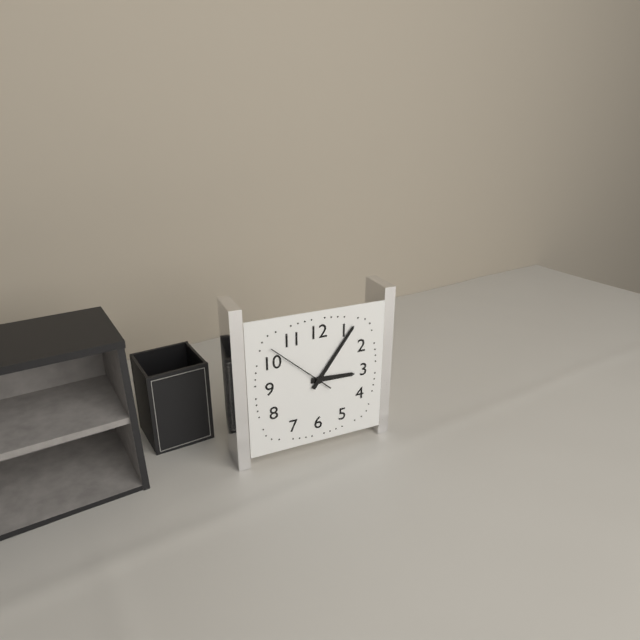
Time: **3:06:52**
